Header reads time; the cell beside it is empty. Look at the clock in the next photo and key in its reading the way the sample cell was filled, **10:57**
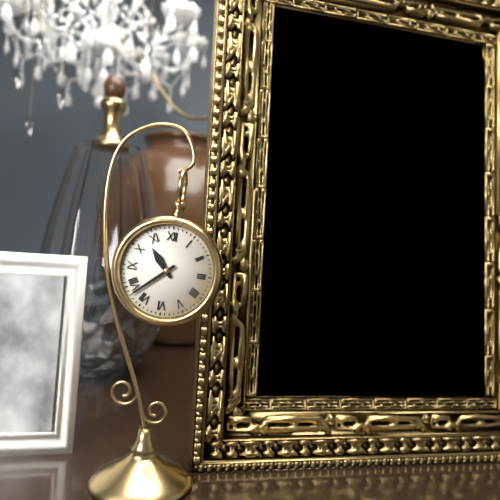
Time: **10:38**
